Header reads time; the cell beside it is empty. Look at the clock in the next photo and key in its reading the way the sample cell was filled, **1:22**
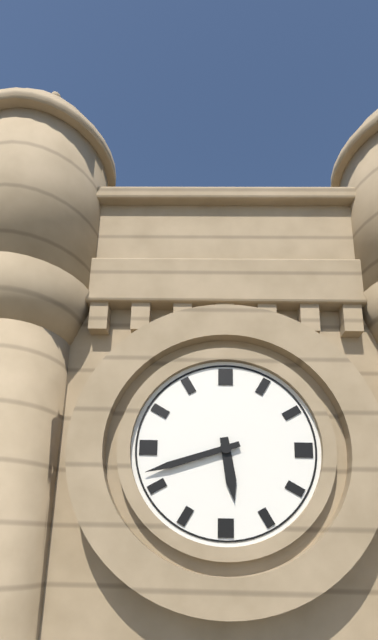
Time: **5:42**
